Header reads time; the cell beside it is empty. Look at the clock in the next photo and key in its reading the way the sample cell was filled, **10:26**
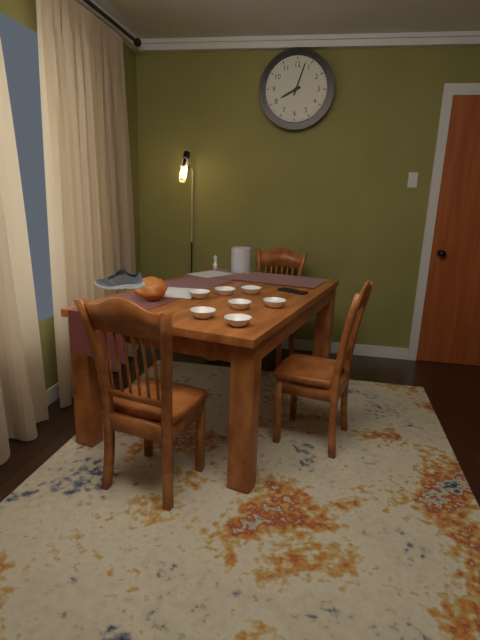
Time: **8:03**
